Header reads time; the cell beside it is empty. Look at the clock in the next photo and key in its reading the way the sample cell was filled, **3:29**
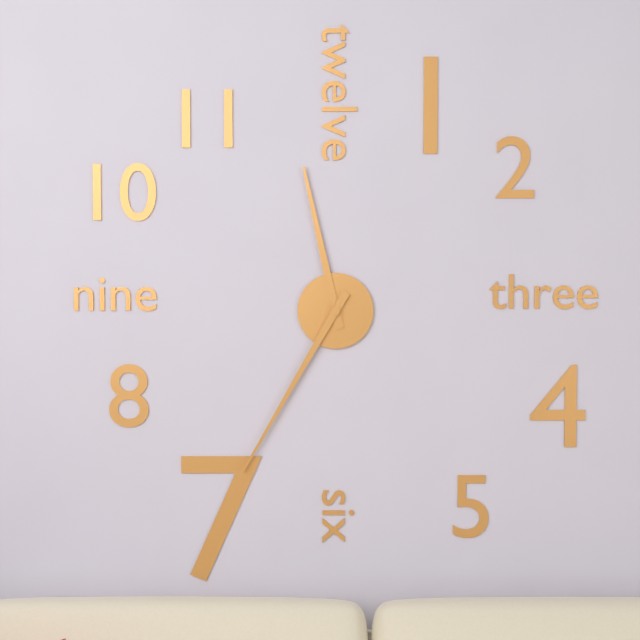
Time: **11:35**
